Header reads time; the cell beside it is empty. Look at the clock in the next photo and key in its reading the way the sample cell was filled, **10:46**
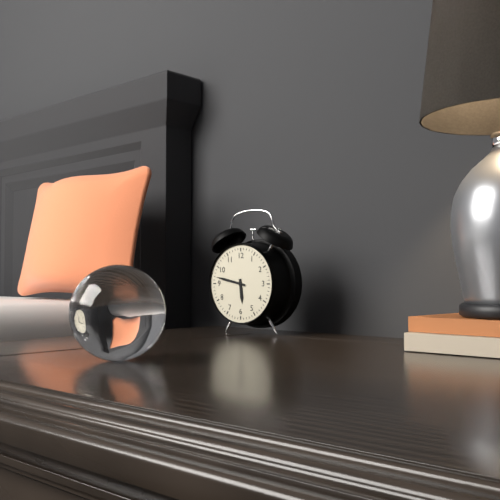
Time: **5:47**
